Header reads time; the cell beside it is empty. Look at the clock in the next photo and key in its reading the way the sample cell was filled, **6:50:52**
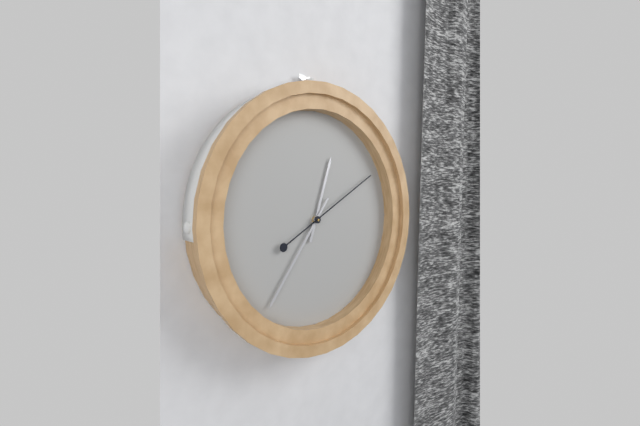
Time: **12:36:10**
